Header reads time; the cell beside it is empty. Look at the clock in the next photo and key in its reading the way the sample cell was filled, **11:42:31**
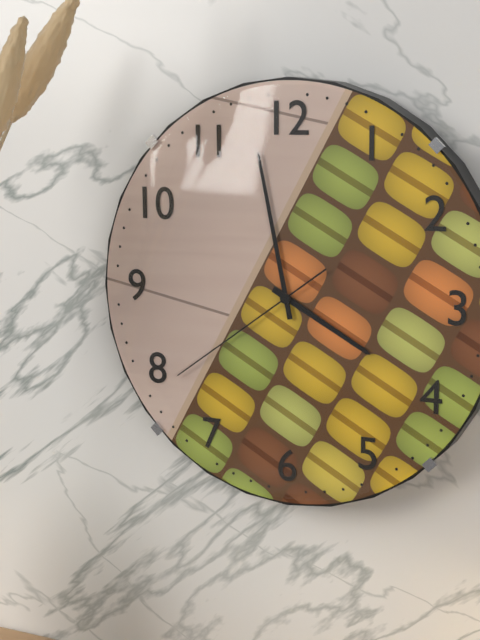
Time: **3:58:39**
